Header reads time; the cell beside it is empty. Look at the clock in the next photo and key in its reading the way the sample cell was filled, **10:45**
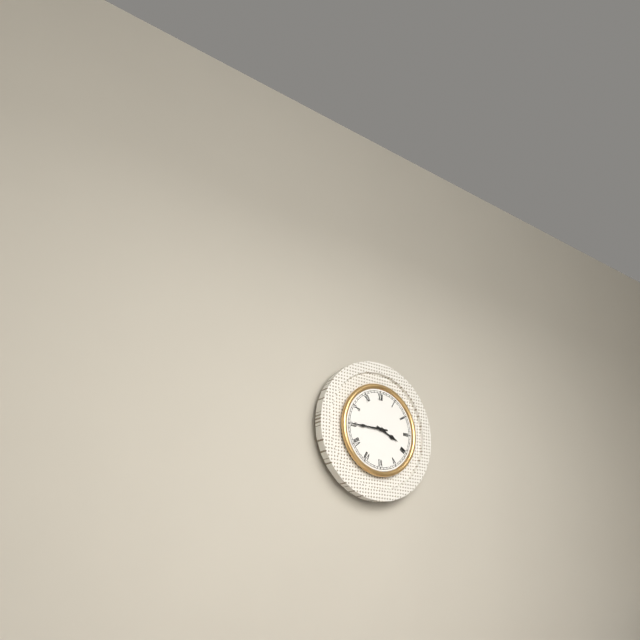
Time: **3:45**
